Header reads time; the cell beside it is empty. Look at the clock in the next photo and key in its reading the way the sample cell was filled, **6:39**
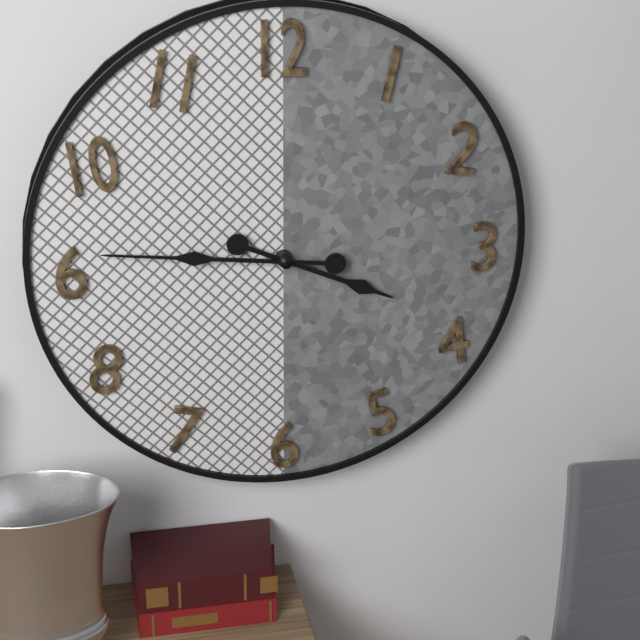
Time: **3:46**
